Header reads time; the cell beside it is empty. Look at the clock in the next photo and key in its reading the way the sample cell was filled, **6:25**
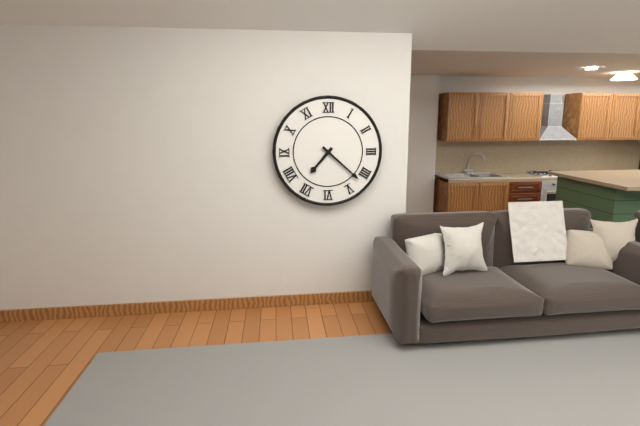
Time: **7:22**
